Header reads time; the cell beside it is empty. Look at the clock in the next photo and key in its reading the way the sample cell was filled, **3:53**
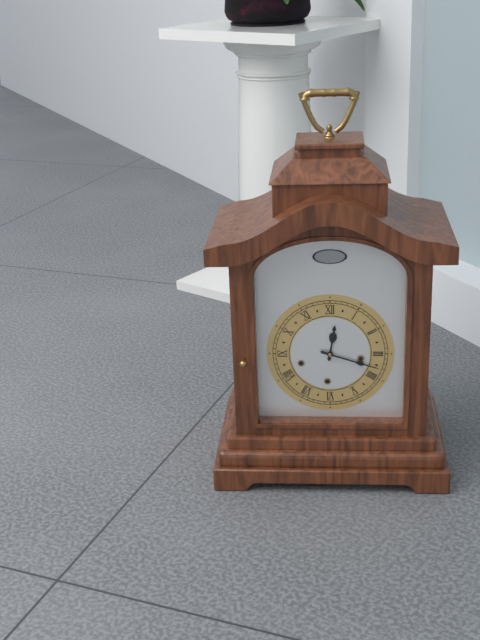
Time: **12:18**
